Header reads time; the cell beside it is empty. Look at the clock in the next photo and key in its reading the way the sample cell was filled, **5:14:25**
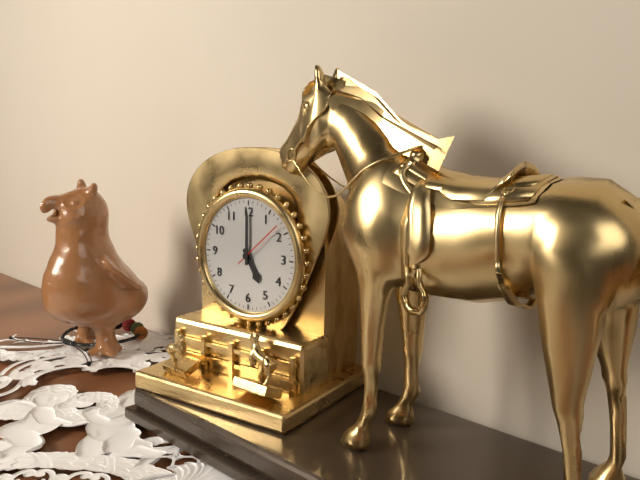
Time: **5:00:08**
